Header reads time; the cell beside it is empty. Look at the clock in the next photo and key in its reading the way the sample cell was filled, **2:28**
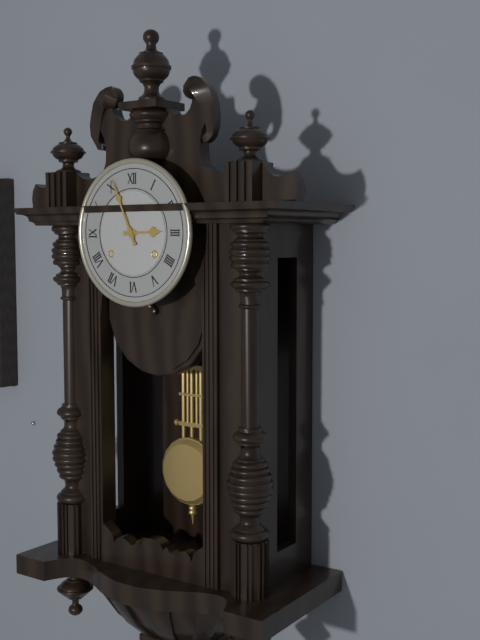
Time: **2:56**
